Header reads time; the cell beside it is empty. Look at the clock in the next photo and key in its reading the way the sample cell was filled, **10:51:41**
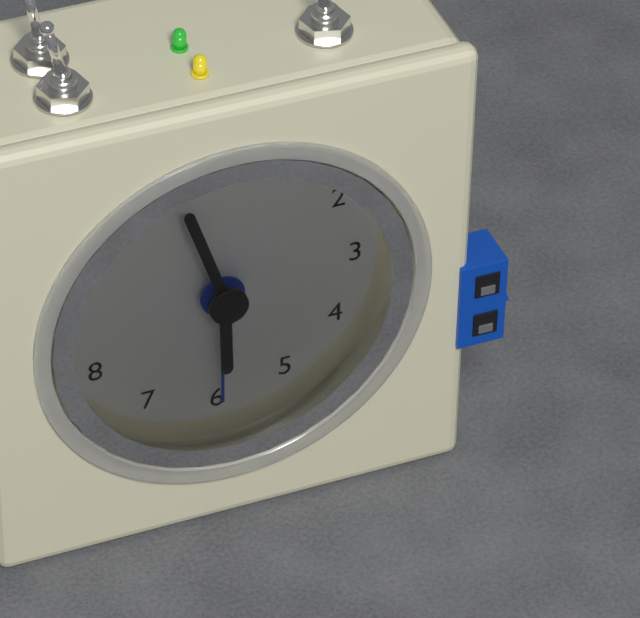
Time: **5:57:30**
